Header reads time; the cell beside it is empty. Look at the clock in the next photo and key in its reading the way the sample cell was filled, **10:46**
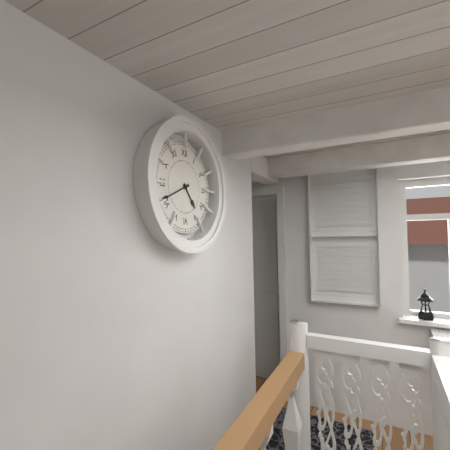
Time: **4:41**
